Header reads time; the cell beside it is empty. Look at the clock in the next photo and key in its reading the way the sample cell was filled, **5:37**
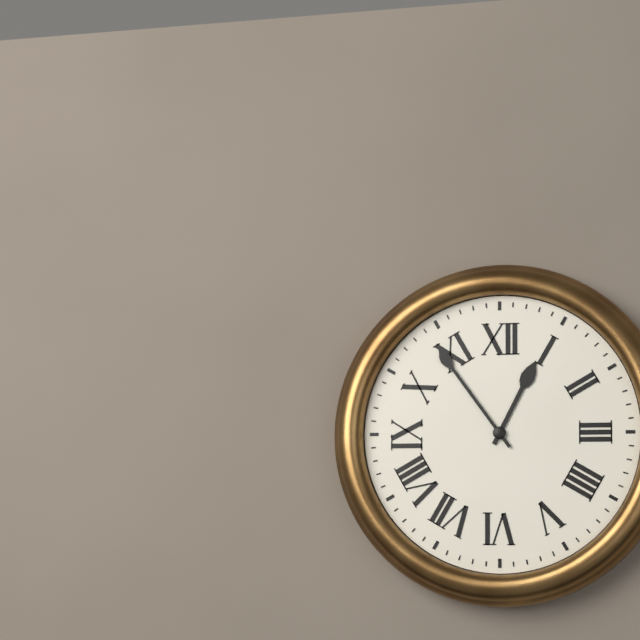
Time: **12:54**
